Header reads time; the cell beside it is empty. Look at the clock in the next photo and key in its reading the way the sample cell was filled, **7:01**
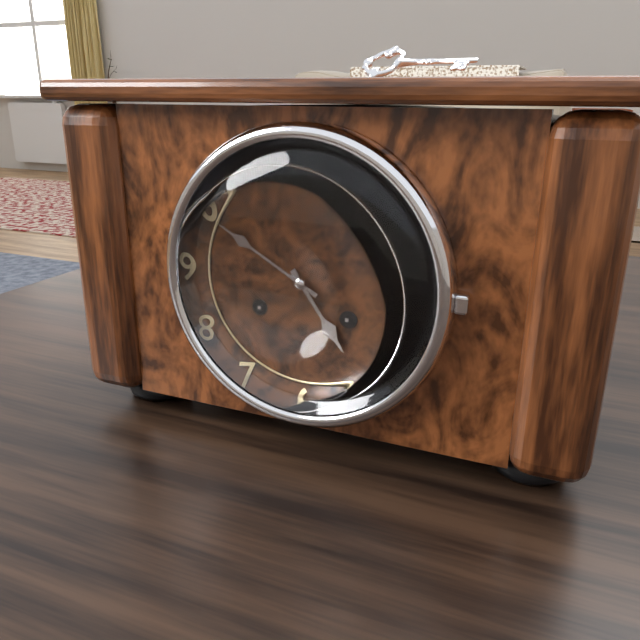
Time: **4:50**
